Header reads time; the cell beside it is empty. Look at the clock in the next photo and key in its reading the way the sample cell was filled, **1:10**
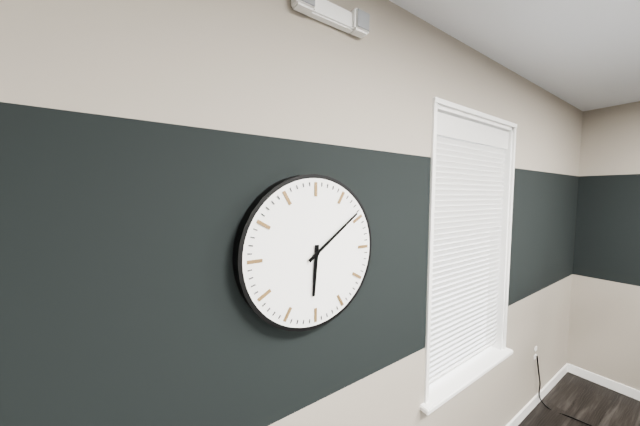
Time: **6:09**
